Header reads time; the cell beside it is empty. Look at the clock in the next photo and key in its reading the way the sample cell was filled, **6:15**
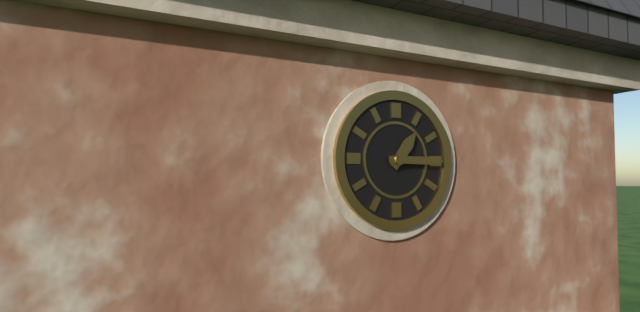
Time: **1:15**
